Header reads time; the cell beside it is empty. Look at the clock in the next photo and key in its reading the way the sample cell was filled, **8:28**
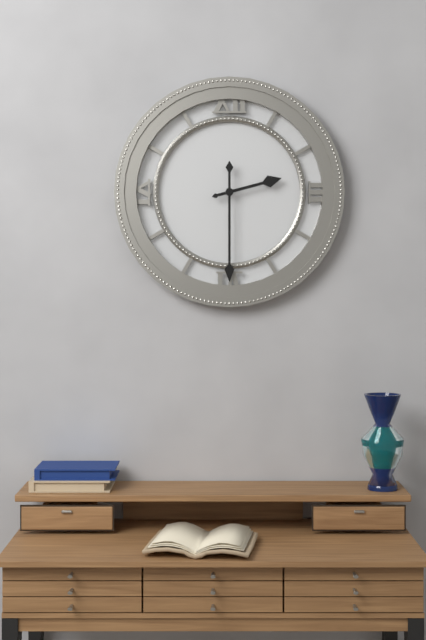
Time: **2:30**
